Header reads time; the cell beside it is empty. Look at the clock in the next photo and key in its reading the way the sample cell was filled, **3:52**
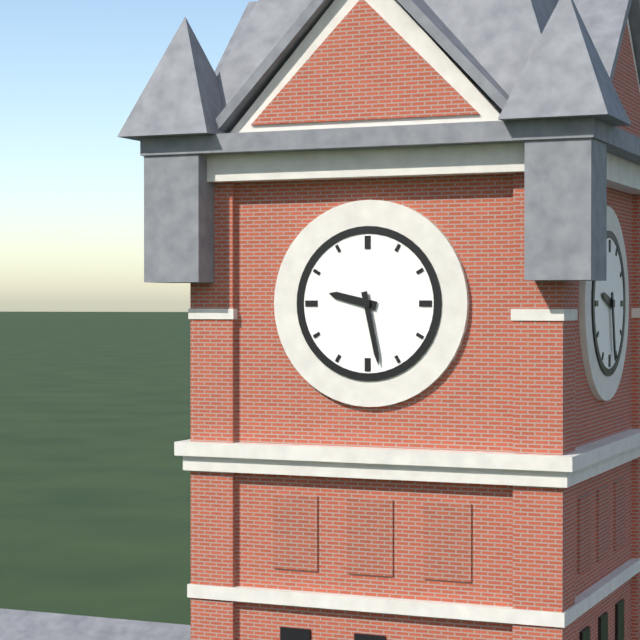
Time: **9:28**
